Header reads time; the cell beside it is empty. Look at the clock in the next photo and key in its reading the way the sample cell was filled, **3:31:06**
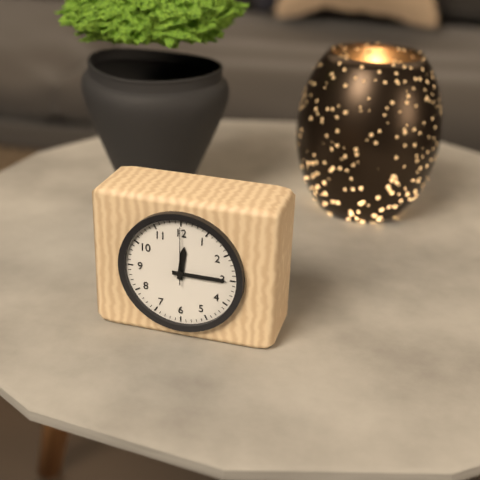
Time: **12:15:00**
